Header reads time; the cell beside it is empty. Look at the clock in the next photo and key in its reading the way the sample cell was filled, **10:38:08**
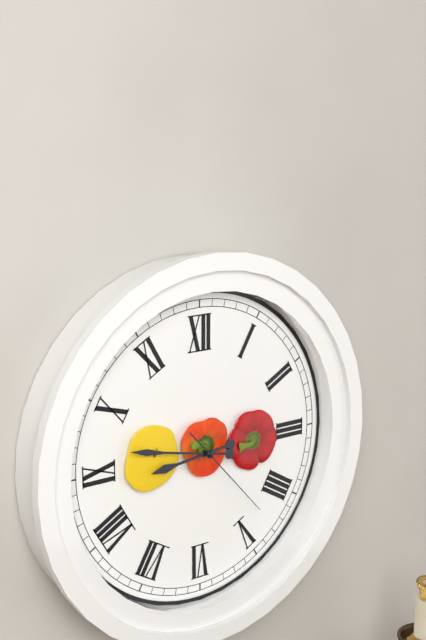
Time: **8:47:23**
